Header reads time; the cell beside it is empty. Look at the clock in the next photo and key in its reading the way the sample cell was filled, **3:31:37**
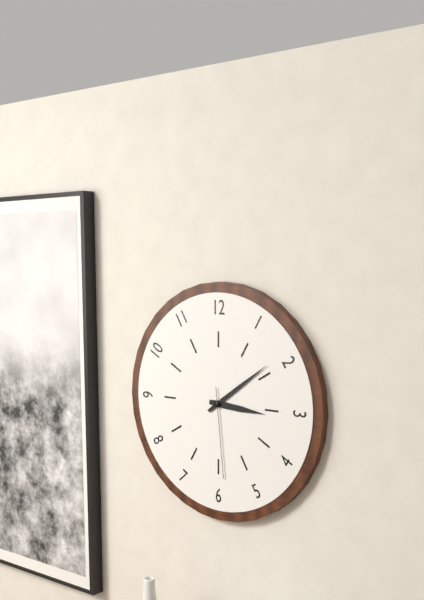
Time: **3:09:29**
